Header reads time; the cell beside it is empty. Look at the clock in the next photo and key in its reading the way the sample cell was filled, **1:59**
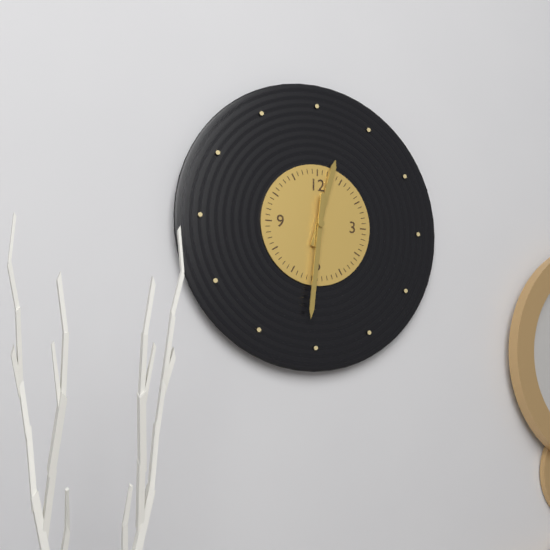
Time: **12:31**
